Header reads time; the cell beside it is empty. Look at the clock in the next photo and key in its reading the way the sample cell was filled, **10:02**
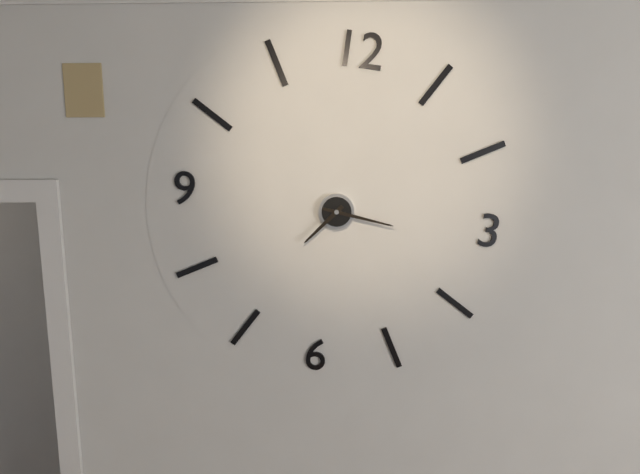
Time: **7:16**
